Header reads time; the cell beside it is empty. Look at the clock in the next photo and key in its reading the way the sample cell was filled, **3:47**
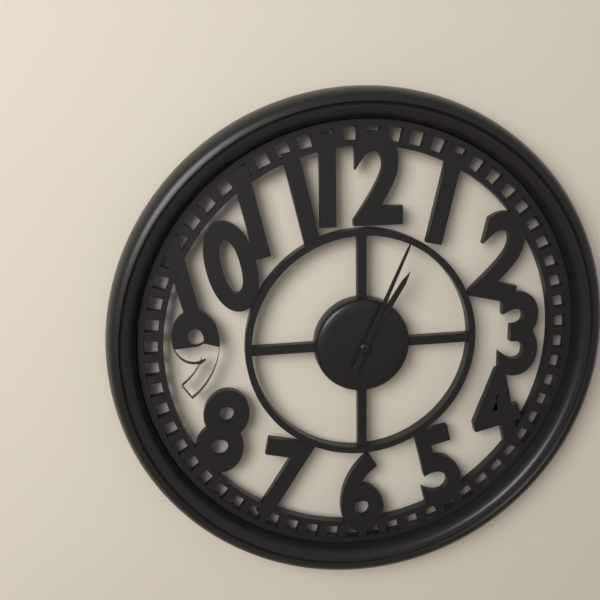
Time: **1:04**
